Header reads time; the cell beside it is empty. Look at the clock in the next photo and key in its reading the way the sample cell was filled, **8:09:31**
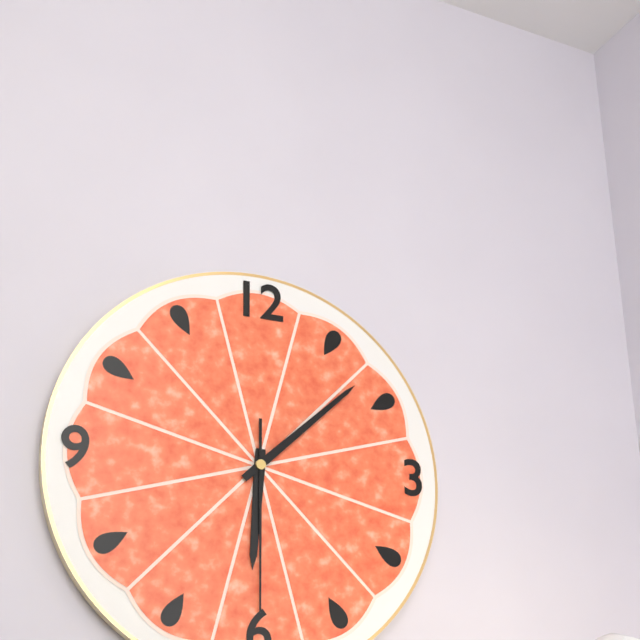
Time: **6:08:30**
